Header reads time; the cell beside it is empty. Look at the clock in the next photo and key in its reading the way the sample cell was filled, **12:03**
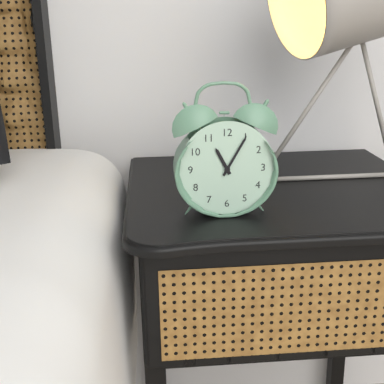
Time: **11:05**
